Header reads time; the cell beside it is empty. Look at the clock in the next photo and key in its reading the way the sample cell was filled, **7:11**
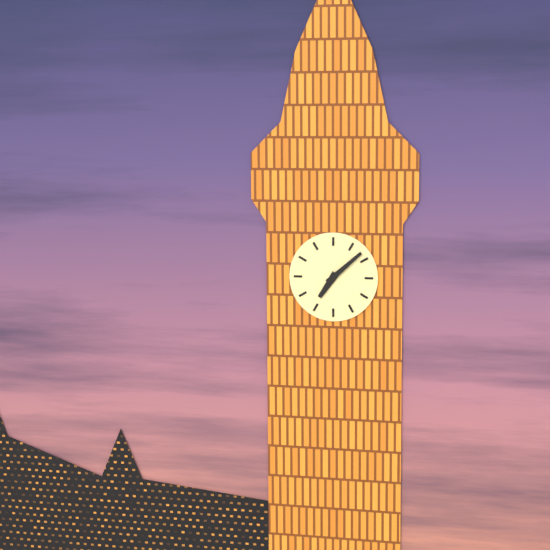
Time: **7:08**
